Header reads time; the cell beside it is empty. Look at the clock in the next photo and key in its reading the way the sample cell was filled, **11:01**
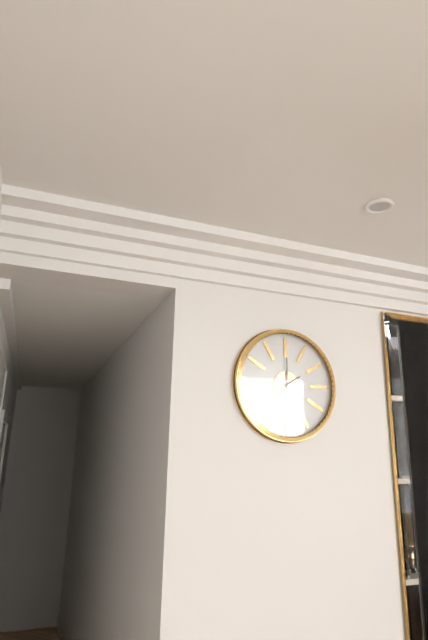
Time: **2:00**
